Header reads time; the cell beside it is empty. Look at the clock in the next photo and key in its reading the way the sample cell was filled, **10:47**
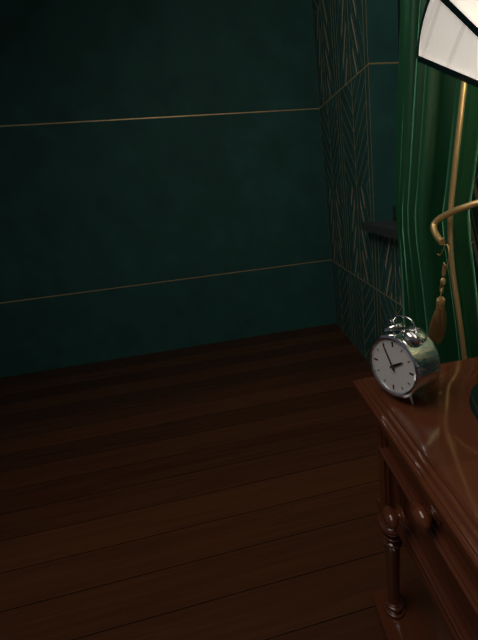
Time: **1:55**
